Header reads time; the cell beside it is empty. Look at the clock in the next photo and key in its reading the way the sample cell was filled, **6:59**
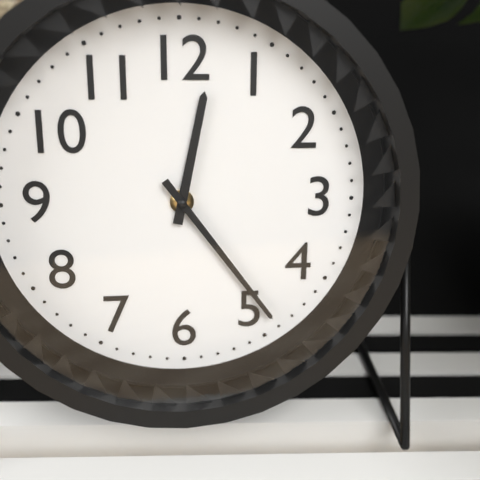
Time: **12:24**
